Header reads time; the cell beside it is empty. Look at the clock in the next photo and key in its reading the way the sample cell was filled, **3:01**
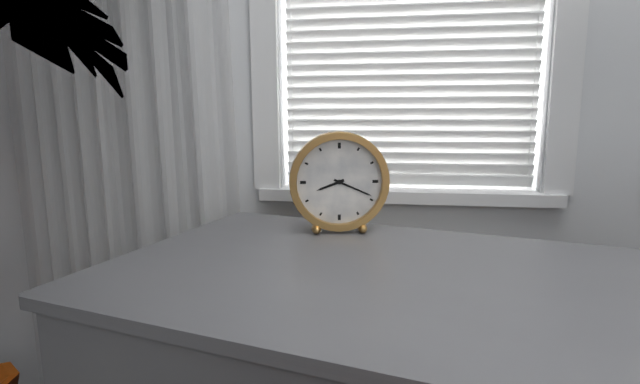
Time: **8:19**
